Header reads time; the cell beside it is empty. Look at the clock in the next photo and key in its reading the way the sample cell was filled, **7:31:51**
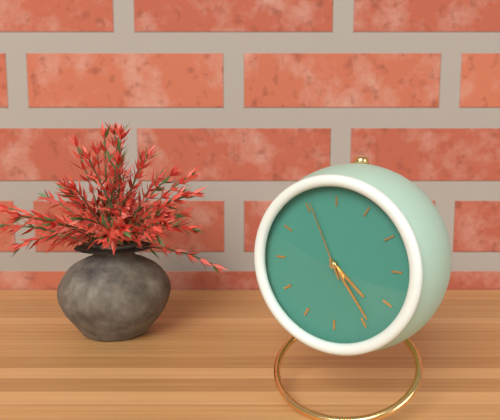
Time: **4:24:56**
